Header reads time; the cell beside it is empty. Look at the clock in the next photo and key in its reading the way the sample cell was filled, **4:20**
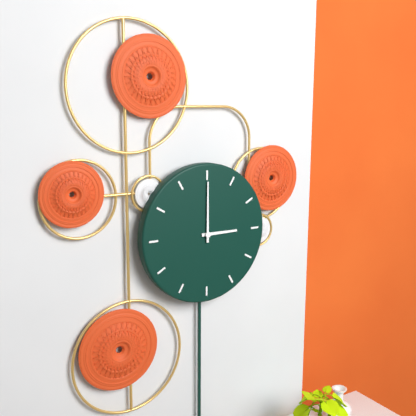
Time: **3:00**
